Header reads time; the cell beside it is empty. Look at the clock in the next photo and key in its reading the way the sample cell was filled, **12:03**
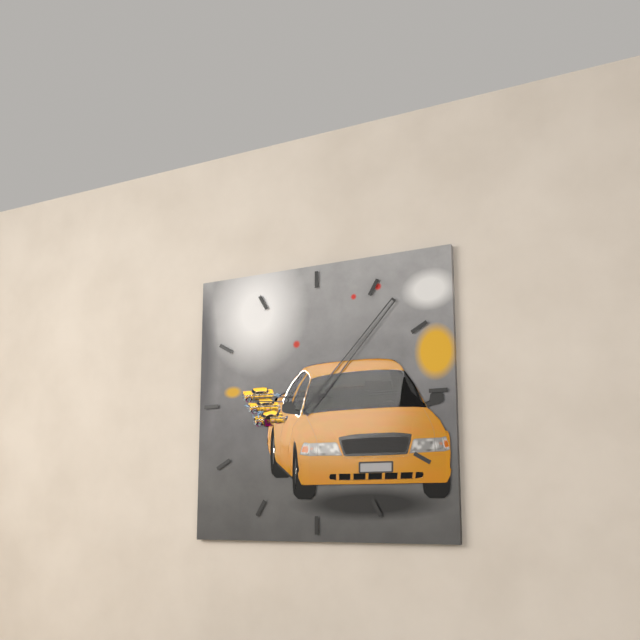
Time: **9:07**
